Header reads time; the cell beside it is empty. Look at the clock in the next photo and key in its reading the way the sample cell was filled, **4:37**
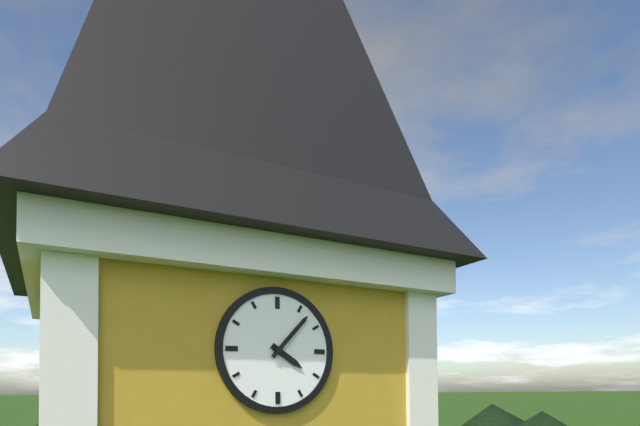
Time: **4:07**
